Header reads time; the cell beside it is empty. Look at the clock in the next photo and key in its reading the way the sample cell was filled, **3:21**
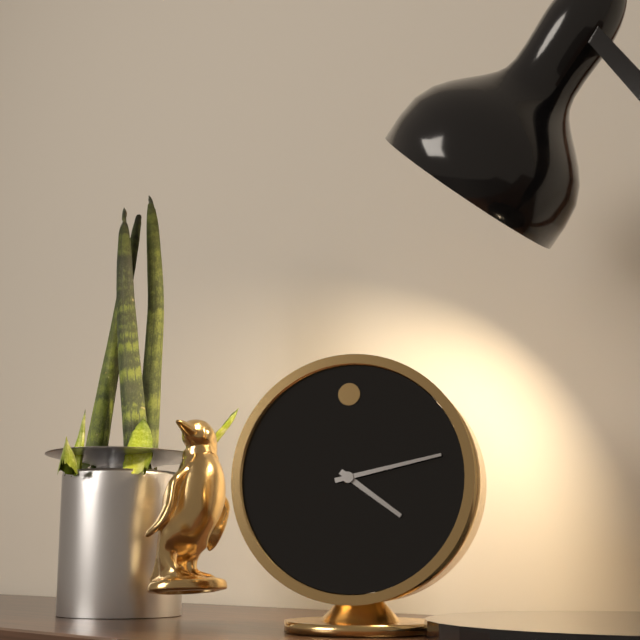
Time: **4:13**
